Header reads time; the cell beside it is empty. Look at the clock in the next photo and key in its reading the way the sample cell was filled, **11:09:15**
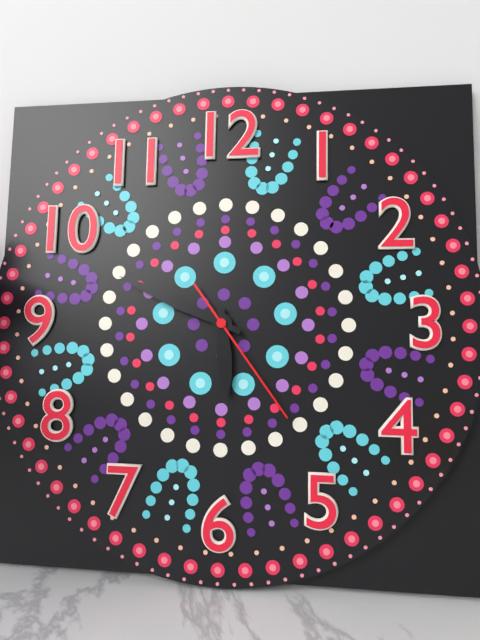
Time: **5:49:24**
